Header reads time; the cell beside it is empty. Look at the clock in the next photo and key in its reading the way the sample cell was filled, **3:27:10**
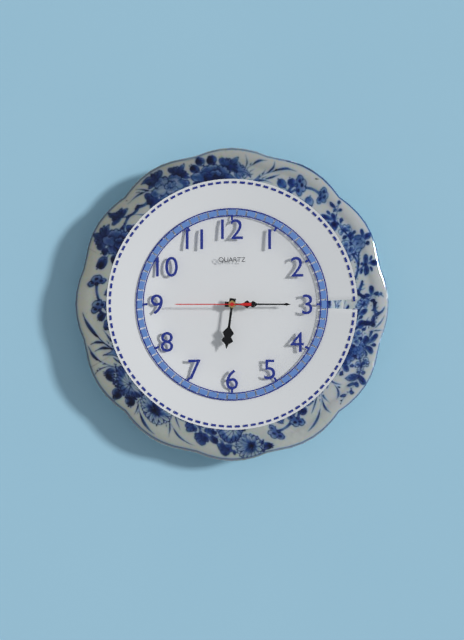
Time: **6:15:45**
